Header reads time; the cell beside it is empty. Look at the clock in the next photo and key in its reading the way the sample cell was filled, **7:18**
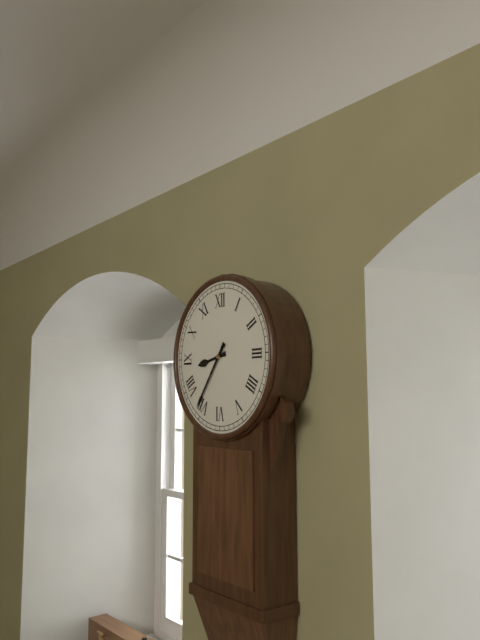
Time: **8:36**
